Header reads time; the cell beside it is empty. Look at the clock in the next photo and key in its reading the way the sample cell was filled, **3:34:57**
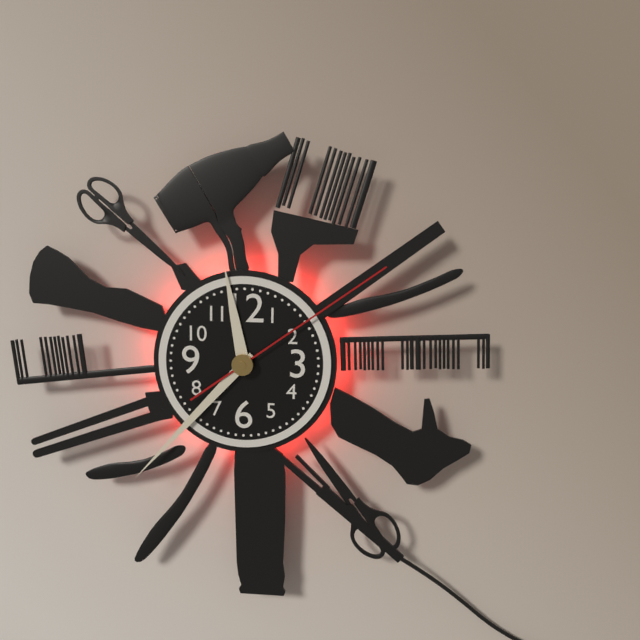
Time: **11:37:09**
